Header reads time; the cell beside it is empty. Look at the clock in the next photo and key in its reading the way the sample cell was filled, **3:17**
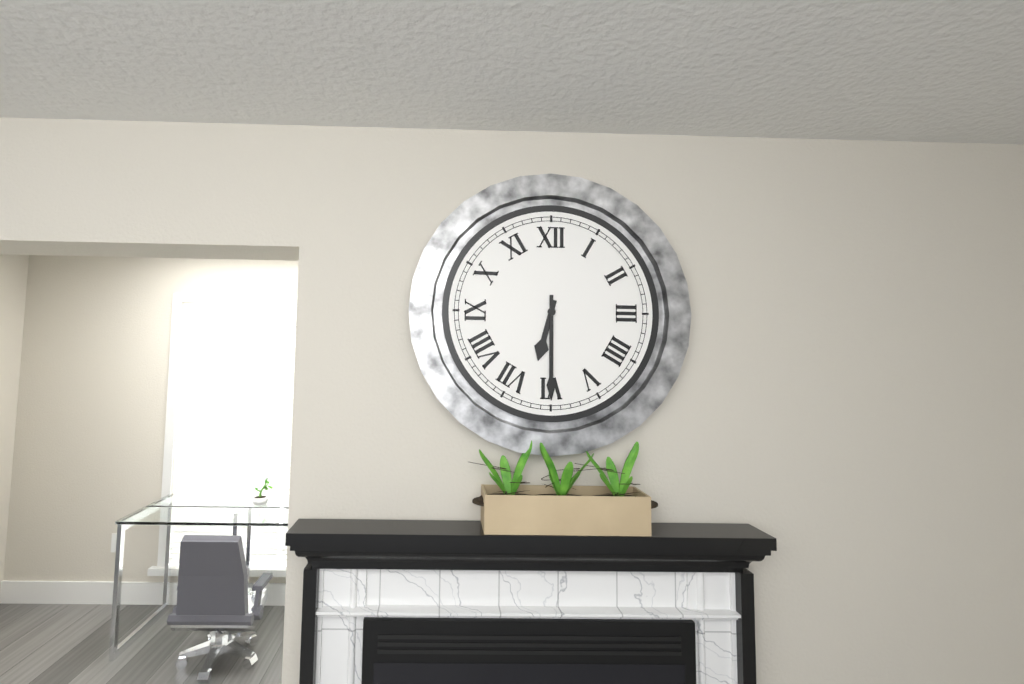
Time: **6:30**
